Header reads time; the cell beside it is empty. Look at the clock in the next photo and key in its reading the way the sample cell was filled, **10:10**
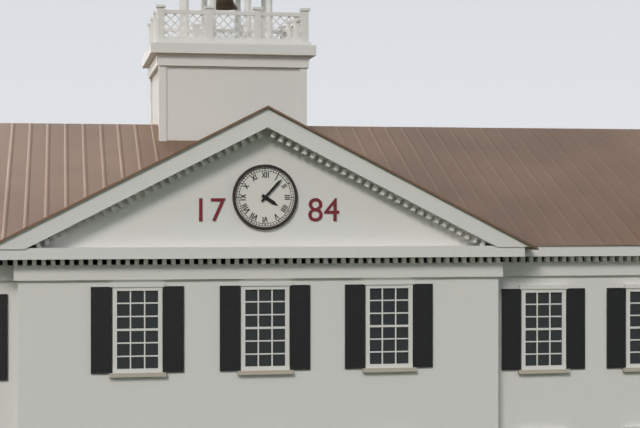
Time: **4:07**
